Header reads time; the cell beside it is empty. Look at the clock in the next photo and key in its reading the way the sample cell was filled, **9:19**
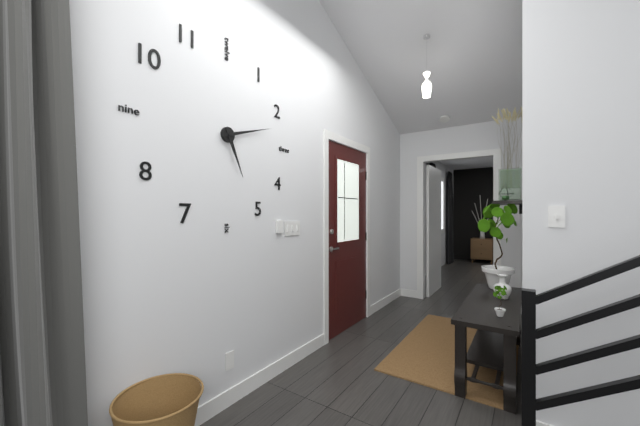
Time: **5:12**
